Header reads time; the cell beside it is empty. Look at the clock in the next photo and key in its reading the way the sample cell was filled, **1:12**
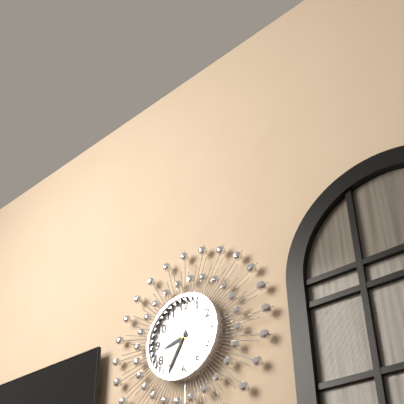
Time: **8:35**
